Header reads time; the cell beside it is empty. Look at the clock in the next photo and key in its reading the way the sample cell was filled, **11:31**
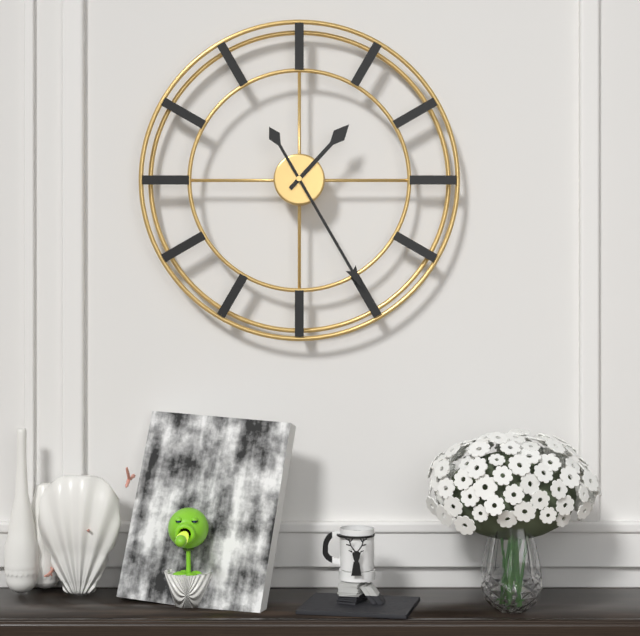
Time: **1:25**
